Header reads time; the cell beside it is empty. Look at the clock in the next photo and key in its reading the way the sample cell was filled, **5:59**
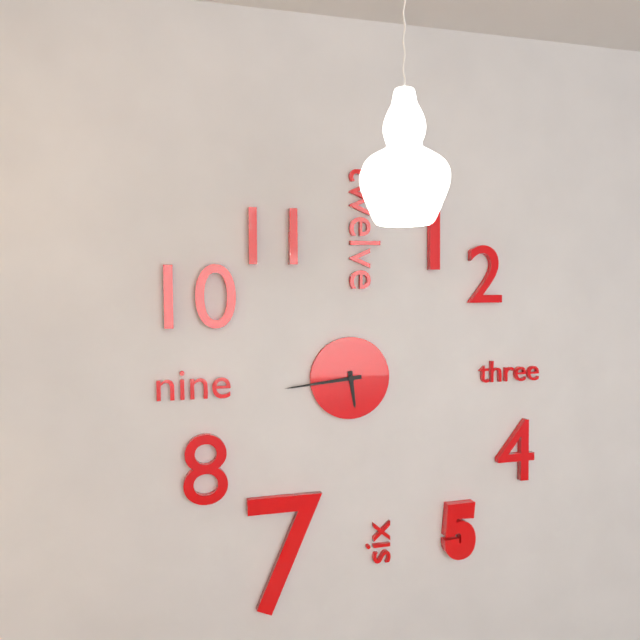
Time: **5:44**
